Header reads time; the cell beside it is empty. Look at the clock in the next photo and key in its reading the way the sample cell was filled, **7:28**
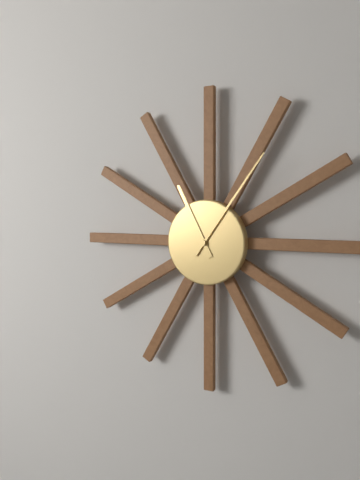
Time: **11:06**
